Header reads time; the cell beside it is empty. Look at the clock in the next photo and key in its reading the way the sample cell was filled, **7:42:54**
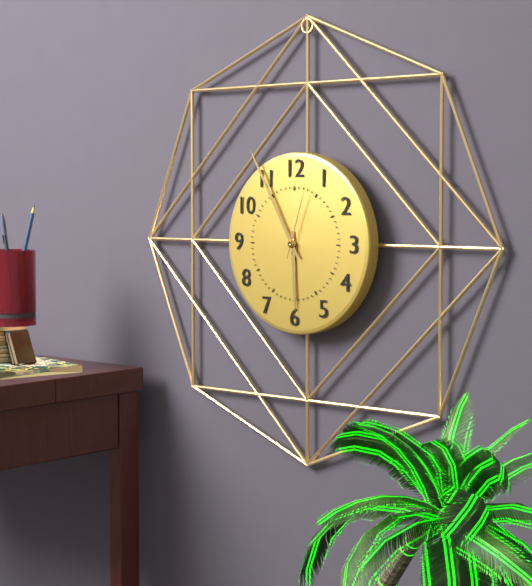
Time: **5:55:03**
